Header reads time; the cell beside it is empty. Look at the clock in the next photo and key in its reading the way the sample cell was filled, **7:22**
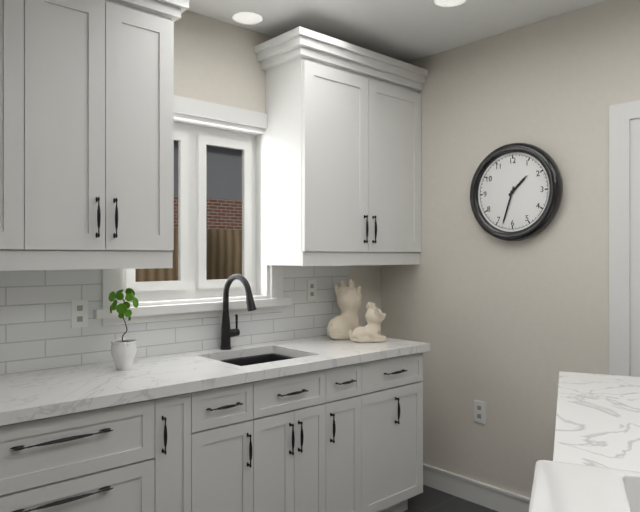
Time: **1:33**
